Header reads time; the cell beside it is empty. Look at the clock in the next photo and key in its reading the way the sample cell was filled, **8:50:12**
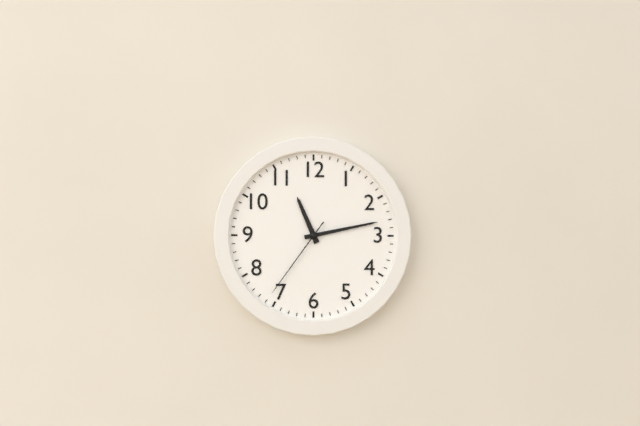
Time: **11:13:36**
